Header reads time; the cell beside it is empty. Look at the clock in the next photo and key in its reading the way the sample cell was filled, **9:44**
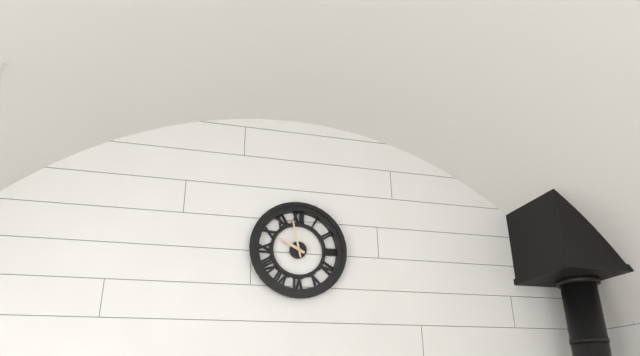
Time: **9:58**
